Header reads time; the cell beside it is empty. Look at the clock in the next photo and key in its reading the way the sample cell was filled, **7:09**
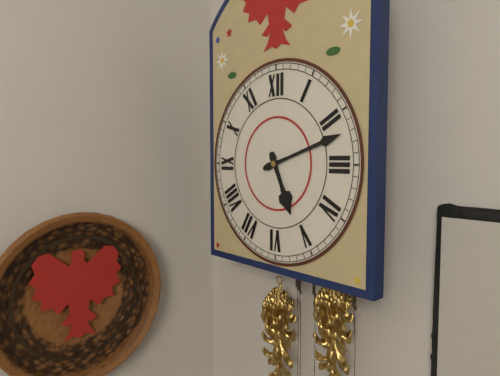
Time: **5:12**
